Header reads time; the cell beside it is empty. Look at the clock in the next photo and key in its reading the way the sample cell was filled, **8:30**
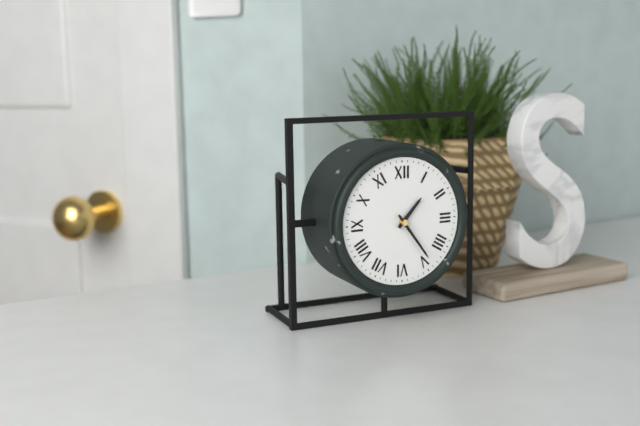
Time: **1:24**
